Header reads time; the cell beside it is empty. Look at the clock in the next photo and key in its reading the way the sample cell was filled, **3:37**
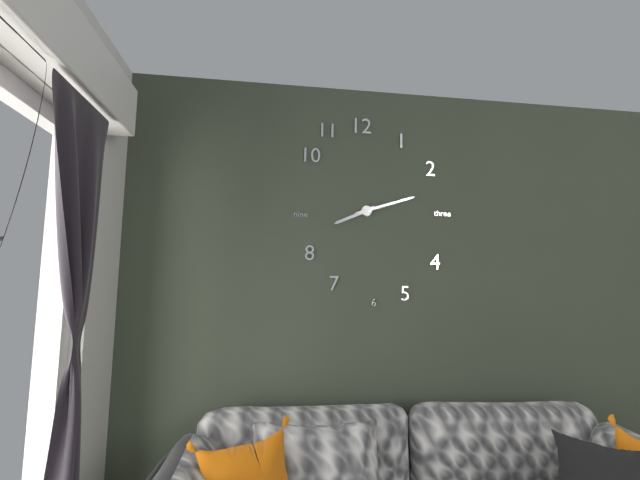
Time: **8:12**
